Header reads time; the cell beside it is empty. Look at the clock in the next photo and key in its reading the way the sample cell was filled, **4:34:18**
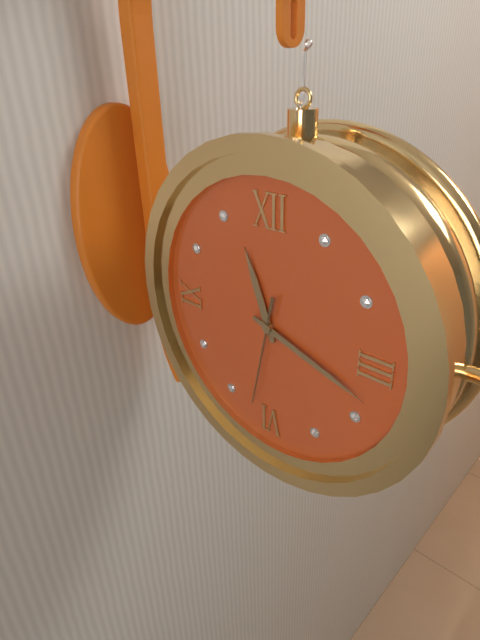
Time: **11:18:32**
